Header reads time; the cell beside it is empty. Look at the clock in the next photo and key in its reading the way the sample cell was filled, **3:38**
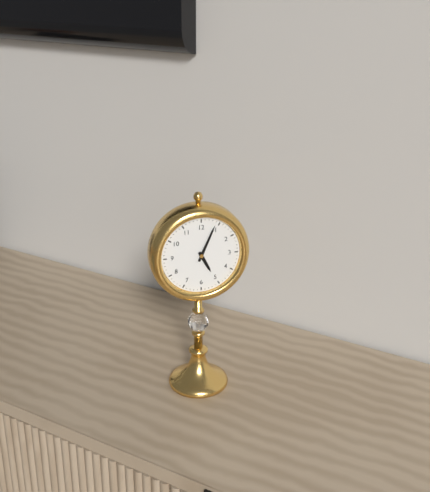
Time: **5:04**
